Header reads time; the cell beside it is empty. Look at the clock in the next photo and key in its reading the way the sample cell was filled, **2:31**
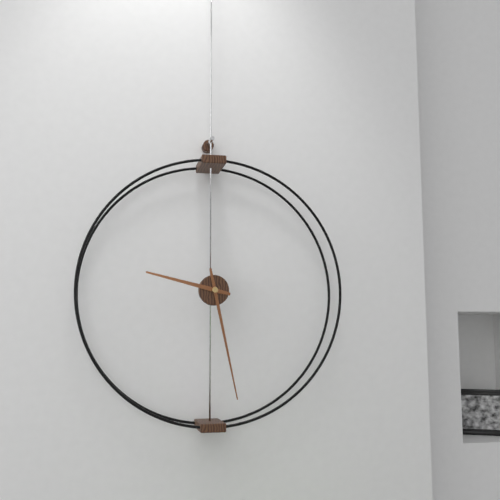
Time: **9:28**
